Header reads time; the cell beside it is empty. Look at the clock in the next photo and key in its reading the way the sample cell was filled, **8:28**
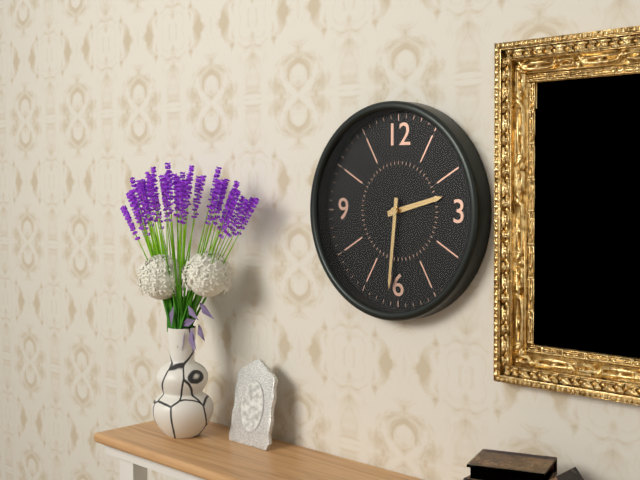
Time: **2:31**
